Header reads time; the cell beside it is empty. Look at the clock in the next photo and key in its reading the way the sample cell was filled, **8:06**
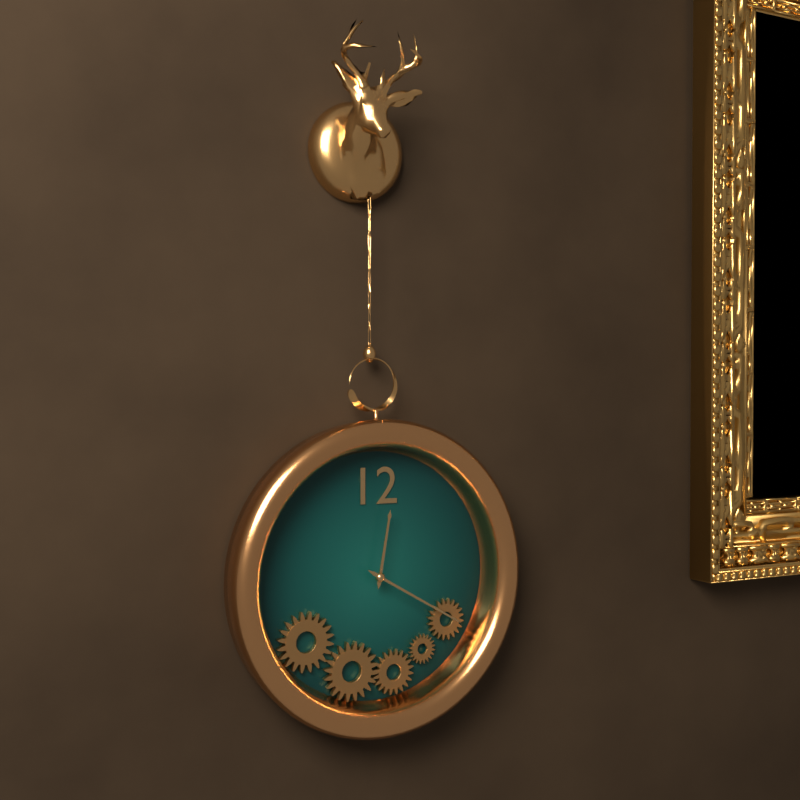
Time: **12:20**
